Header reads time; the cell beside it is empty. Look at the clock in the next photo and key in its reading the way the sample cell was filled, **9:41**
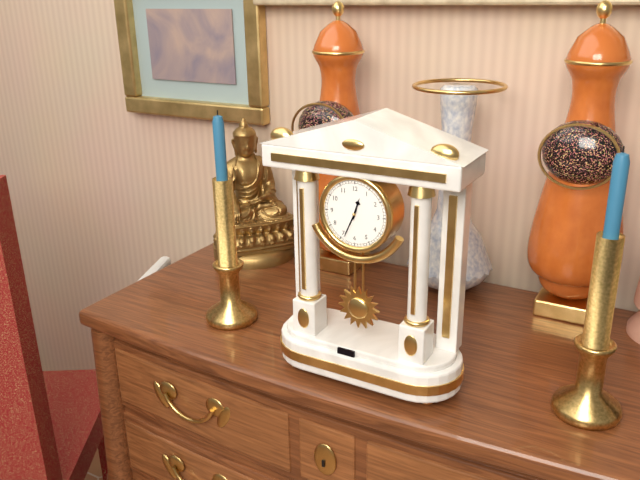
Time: **12:34**
